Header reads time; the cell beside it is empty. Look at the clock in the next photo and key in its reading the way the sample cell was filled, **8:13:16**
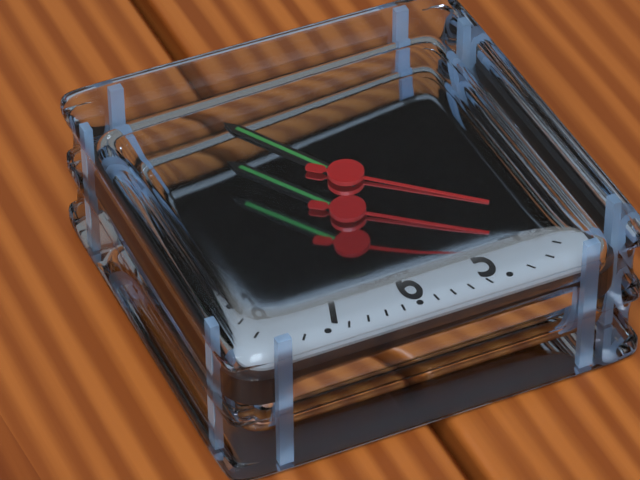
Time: **10:55:22**
